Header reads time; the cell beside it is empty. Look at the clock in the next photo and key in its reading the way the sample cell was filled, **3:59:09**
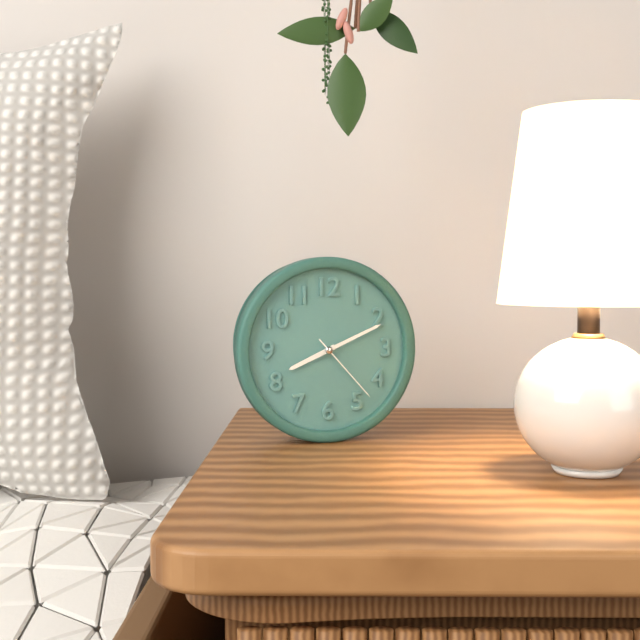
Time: **8:11:23**
